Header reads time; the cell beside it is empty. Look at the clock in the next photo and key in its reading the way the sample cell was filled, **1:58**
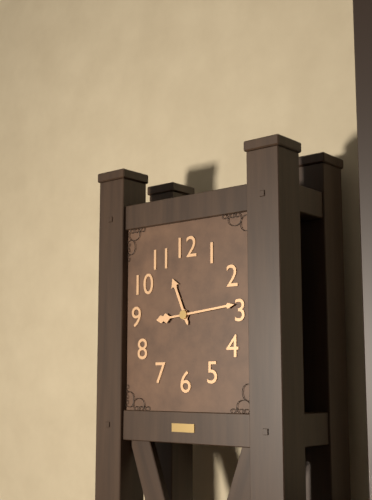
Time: **11:14**
